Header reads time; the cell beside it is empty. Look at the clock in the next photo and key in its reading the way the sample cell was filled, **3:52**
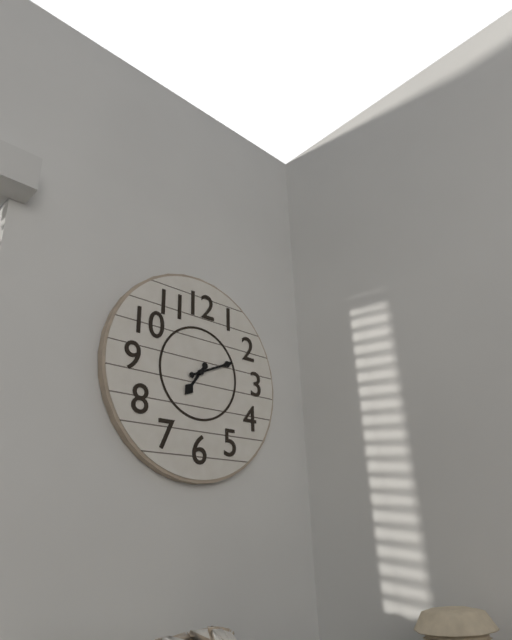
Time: **7:11**
